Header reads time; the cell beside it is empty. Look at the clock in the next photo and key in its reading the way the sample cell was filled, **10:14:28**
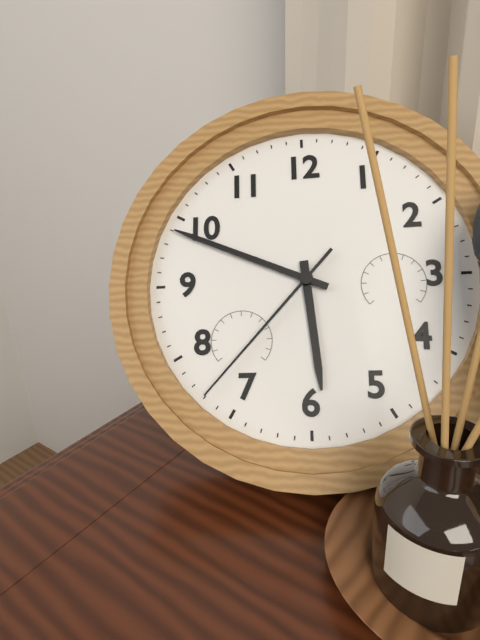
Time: **5:49:37**
